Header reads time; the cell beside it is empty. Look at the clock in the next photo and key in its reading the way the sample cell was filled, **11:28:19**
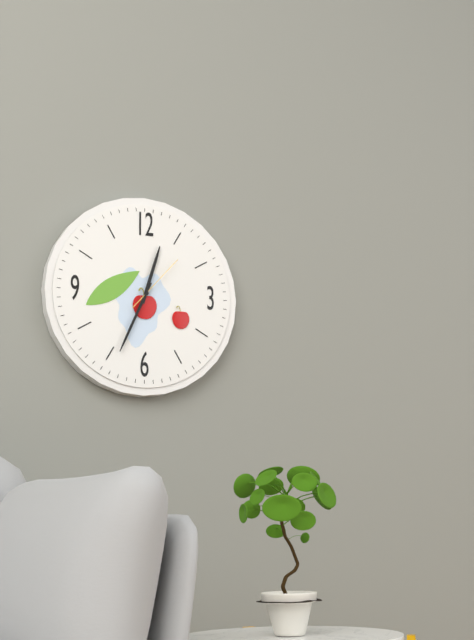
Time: **12:34:07**
